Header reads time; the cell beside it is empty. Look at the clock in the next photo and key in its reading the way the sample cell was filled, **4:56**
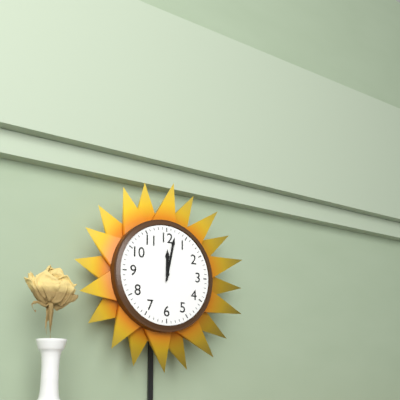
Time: **12:02**
